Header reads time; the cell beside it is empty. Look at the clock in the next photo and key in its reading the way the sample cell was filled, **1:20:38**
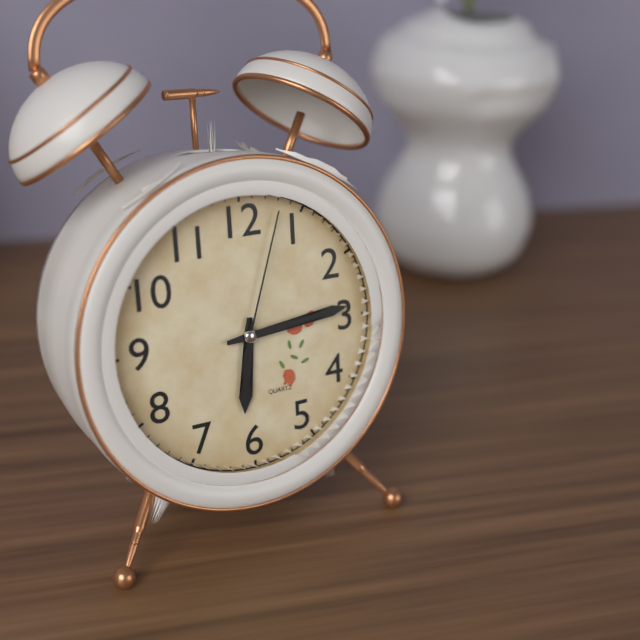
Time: **6:14:03**
